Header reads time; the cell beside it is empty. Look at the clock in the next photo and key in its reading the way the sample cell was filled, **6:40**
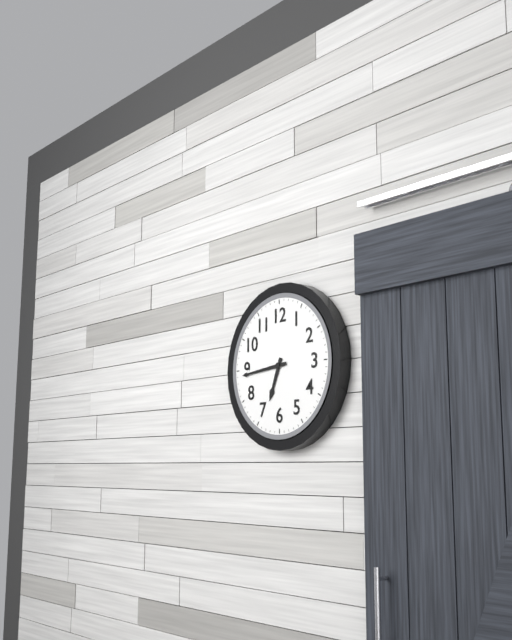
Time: **6:44**
